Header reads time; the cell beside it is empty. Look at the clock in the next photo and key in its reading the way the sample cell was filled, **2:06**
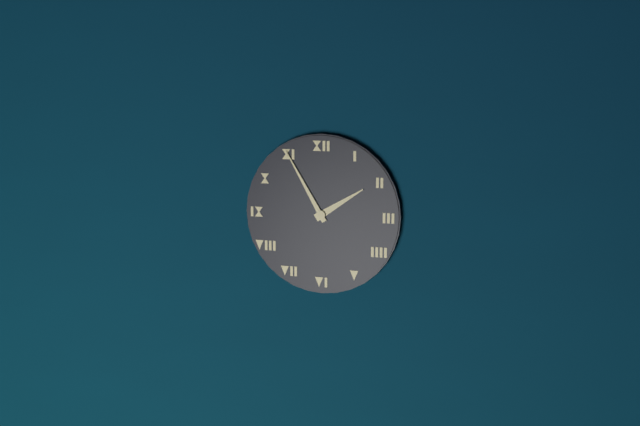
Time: **1:55**
